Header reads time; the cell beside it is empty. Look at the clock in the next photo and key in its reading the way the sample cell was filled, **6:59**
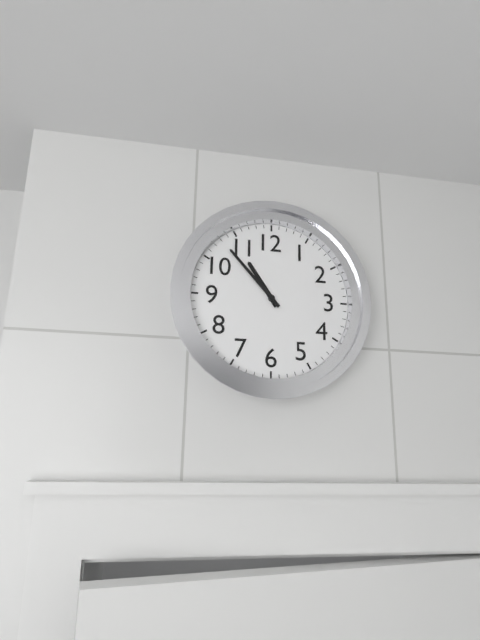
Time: **10:53**
